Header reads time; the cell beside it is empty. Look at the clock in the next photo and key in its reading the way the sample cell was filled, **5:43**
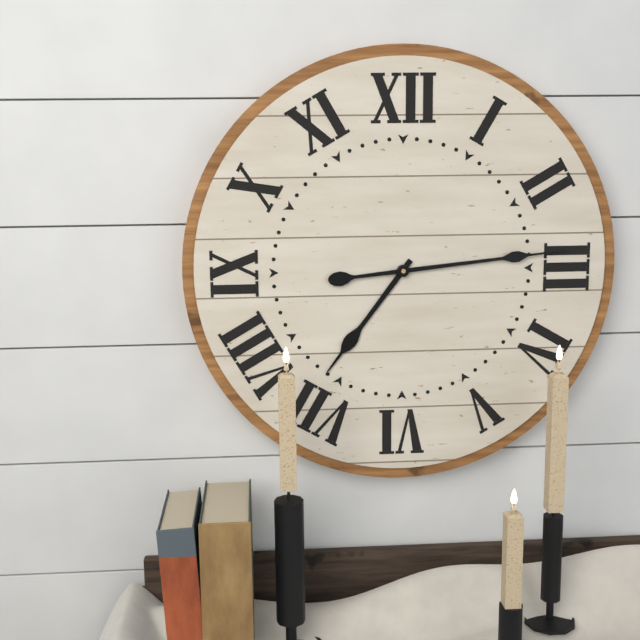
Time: **7:14**
